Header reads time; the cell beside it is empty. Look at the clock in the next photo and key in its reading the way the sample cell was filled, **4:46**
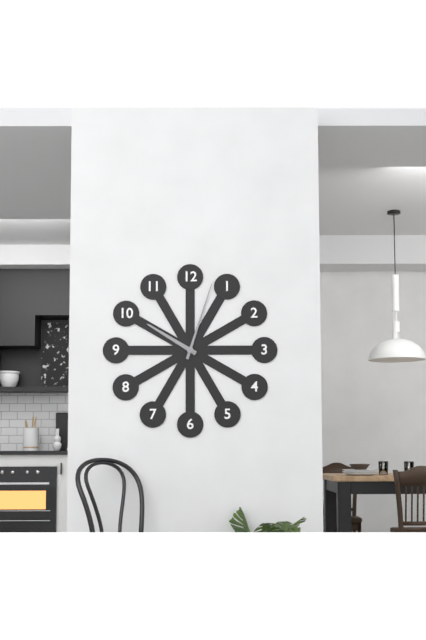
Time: **10:03**
